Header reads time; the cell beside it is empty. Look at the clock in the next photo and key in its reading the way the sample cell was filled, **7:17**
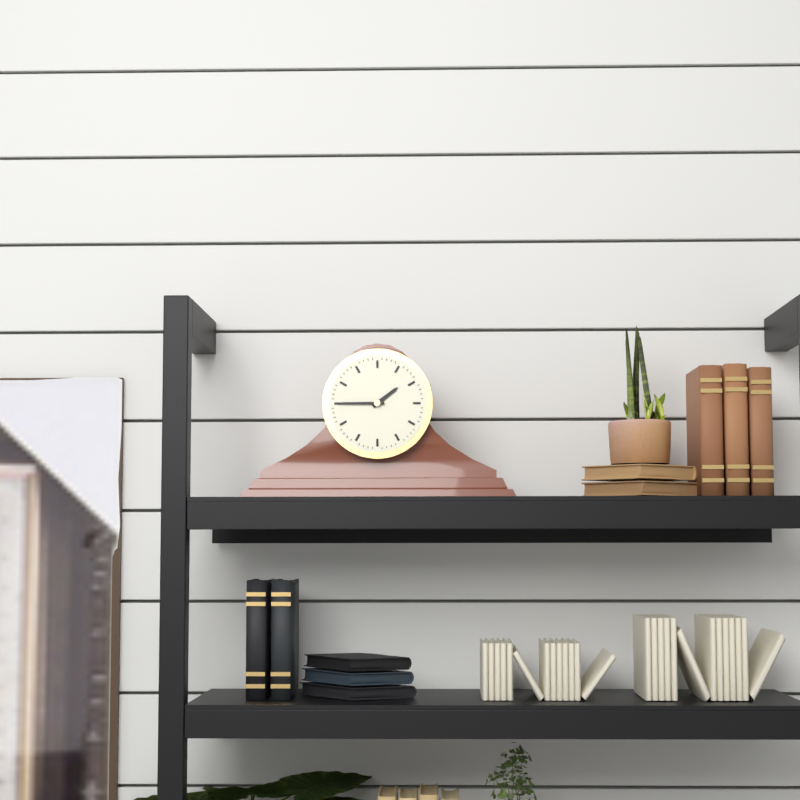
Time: **1:45**
